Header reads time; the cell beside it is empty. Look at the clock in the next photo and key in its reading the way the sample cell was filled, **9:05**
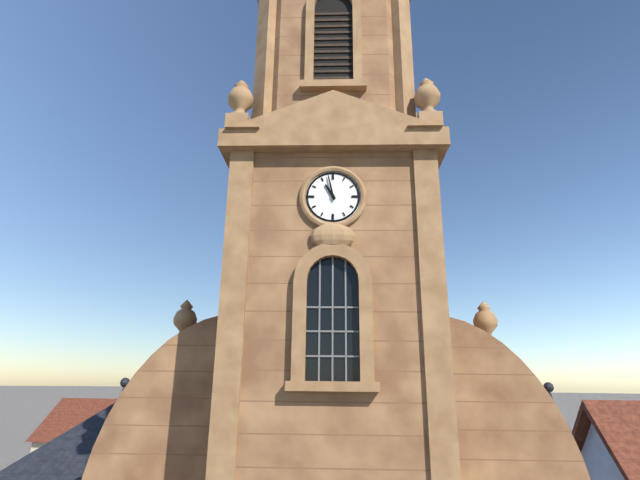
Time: **10:58**
